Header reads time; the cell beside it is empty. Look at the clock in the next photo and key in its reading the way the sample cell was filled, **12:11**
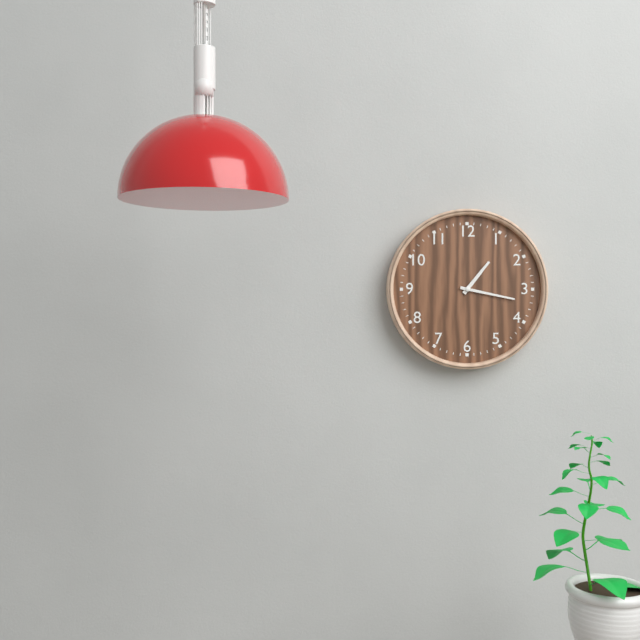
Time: **1:17**
